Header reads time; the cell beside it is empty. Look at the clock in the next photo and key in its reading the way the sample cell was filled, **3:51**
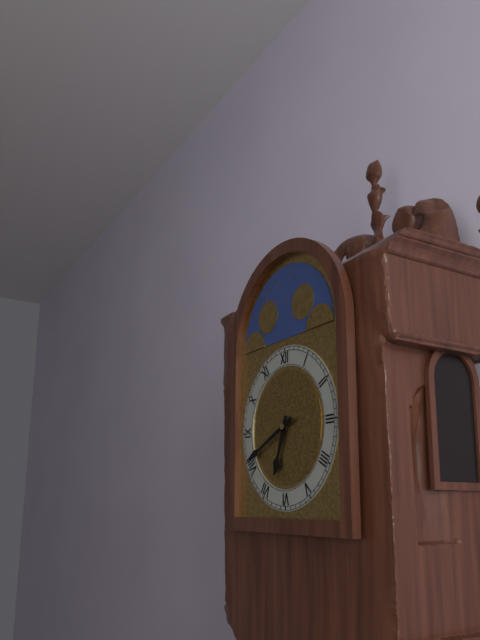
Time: **6:41**
